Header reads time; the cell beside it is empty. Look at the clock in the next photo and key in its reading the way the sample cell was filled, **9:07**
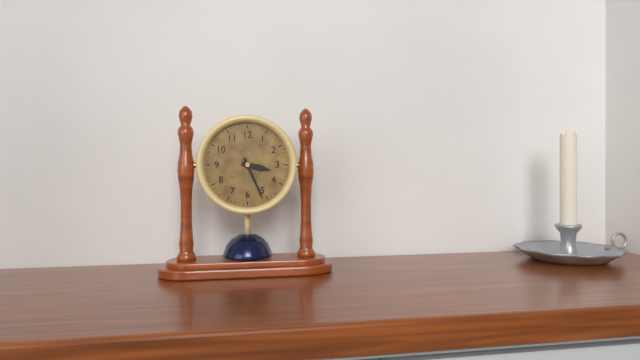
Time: **3:26**
